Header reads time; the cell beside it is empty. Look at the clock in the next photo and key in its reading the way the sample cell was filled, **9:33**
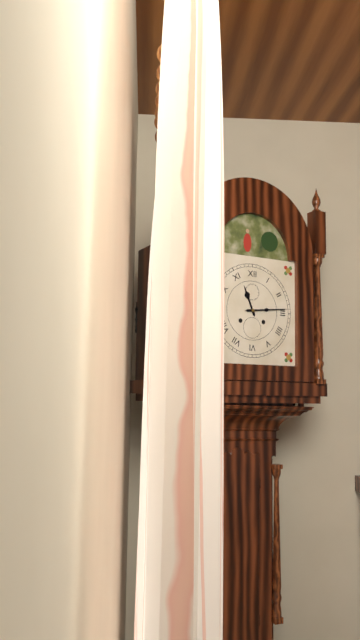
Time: **11:14**
